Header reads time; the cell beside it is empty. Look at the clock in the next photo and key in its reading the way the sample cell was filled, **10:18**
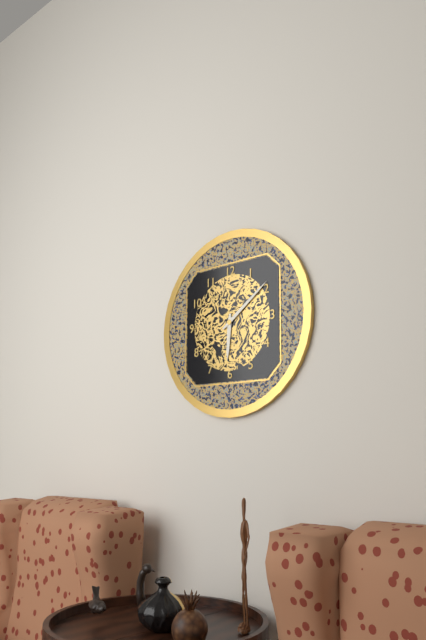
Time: **6:09**
